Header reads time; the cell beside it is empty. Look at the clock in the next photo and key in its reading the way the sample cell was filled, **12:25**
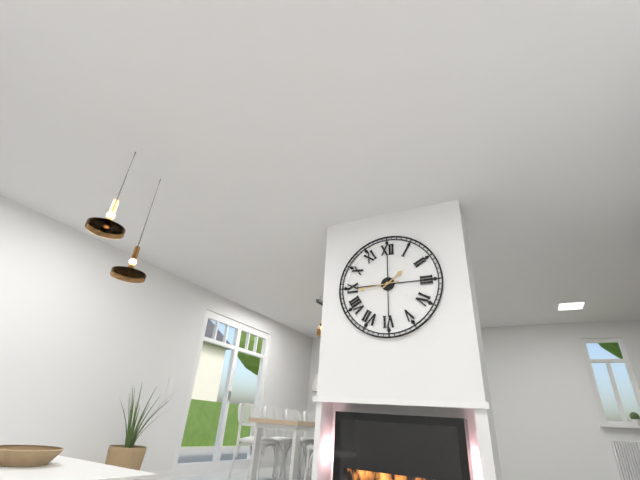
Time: **1:44**
